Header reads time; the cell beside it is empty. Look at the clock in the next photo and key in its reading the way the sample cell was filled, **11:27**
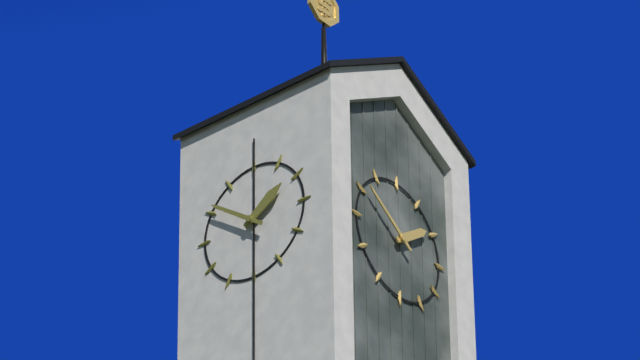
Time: **1:51**
